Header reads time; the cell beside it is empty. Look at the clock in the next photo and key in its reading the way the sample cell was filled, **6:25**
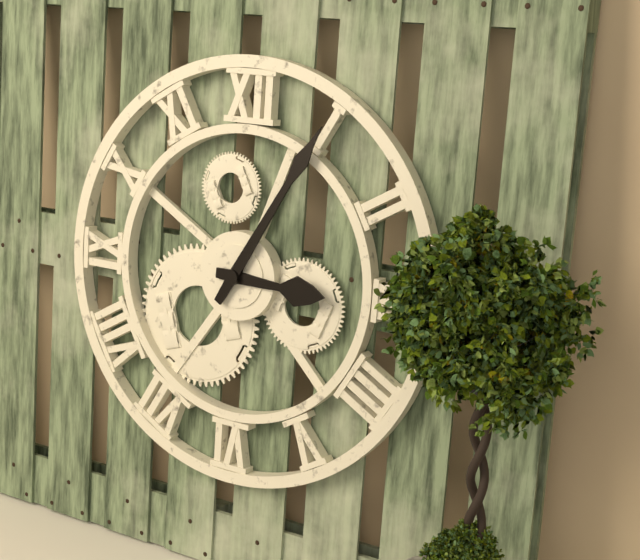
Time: **3:05**
